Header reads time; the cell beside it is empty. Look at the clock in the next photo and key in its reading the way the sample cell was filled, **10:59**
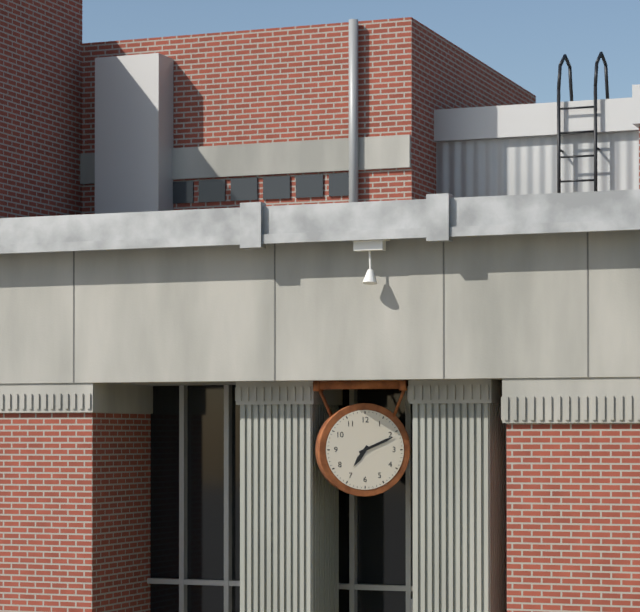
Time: **7:11**
